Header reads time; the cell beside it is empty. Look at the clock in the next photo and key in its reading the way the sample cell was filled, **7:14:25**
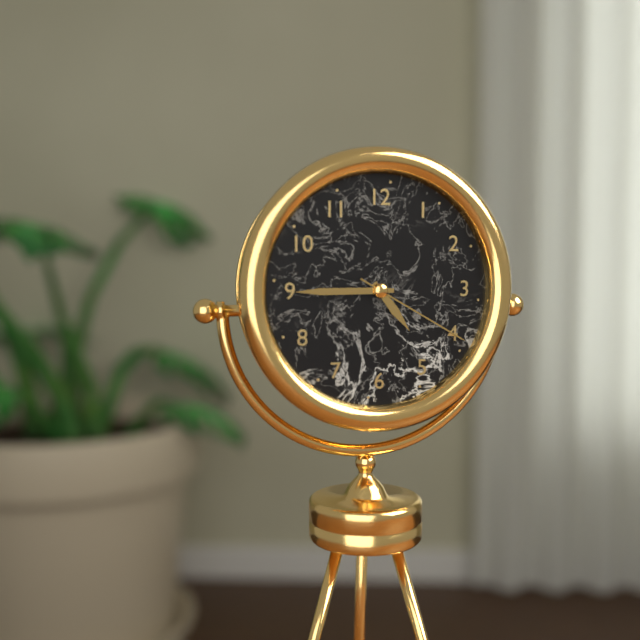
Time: **4:45:20**
